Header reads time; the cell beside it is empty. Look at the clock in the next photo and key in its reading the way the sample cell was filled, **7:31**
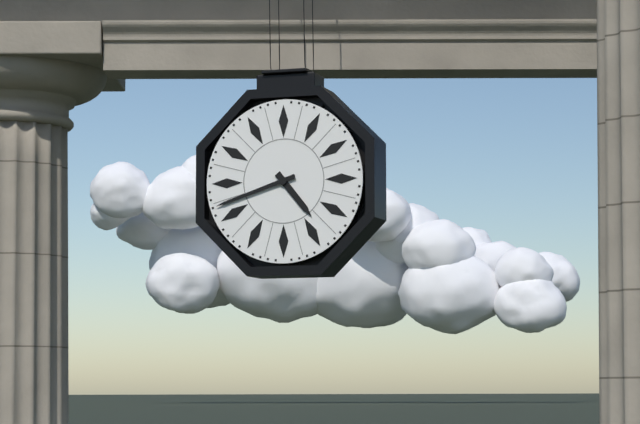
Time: **4:42**
